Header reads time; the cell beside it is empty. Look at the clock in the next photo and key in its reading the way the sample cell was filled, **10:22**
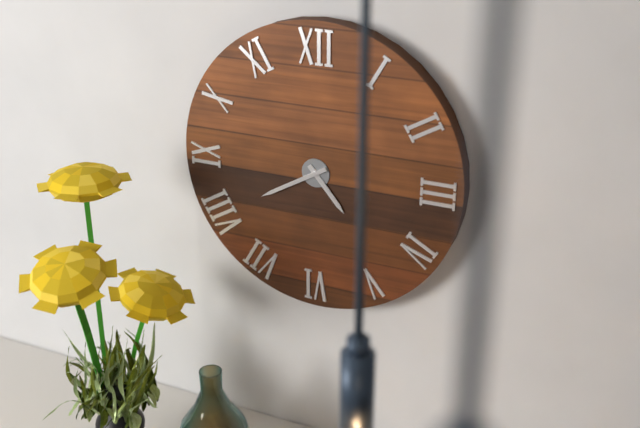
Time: **4:40**
